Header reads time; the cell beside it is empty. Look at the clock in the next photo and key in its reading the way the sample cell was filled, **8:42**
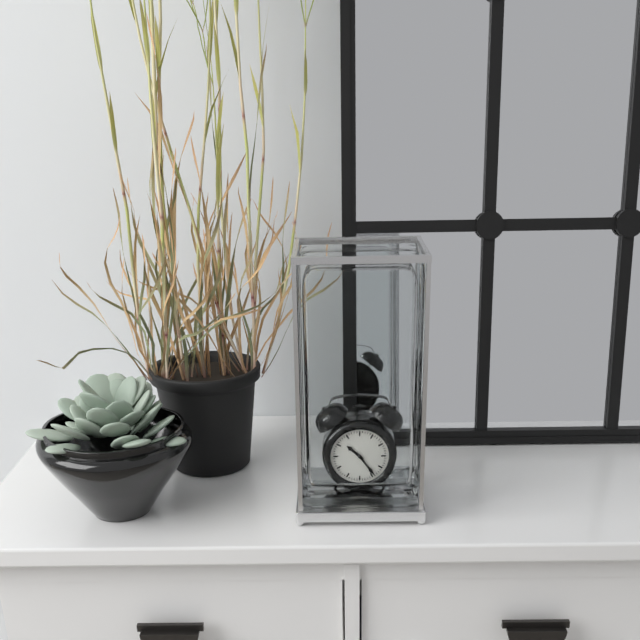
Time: **10:24**
